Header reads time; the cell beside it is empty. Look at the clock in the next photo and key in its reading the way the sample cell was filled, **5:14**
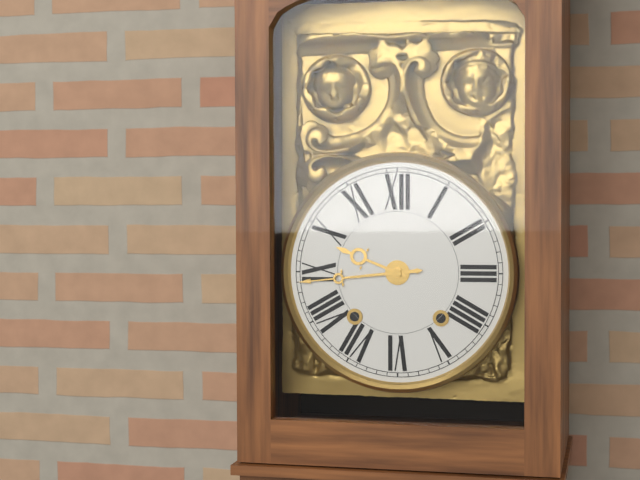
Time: **9:44**
